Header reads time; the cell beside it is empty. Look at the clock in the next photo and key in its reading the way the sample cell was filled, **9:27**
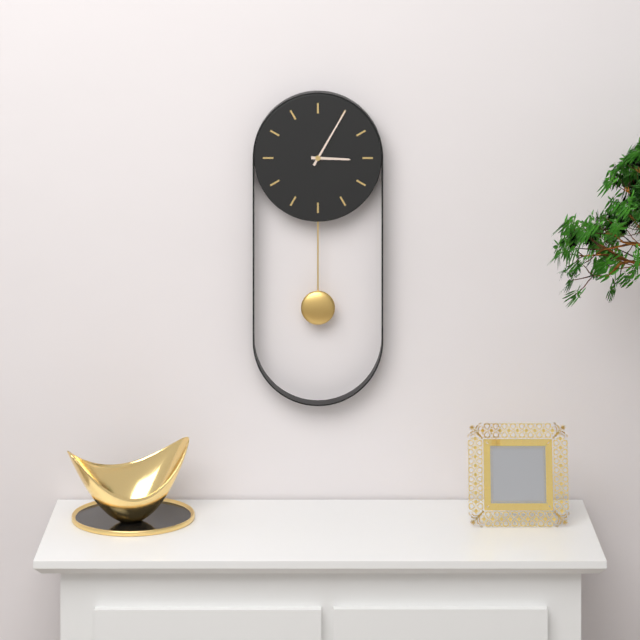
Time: **3:05**
